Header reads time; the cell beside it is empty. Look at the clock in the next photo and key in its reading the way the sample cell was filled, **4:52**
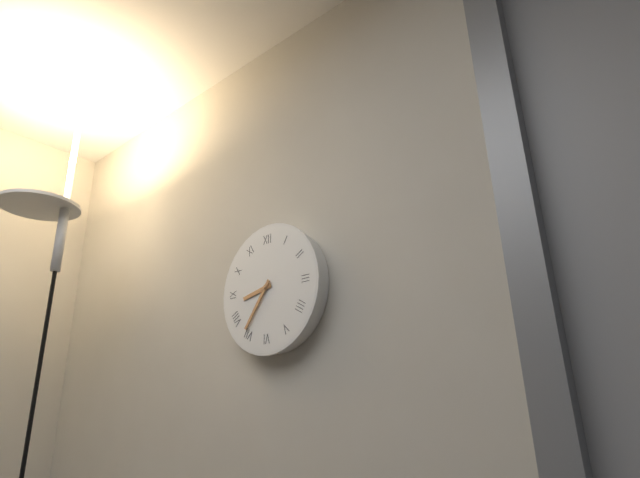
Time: **8:36**
